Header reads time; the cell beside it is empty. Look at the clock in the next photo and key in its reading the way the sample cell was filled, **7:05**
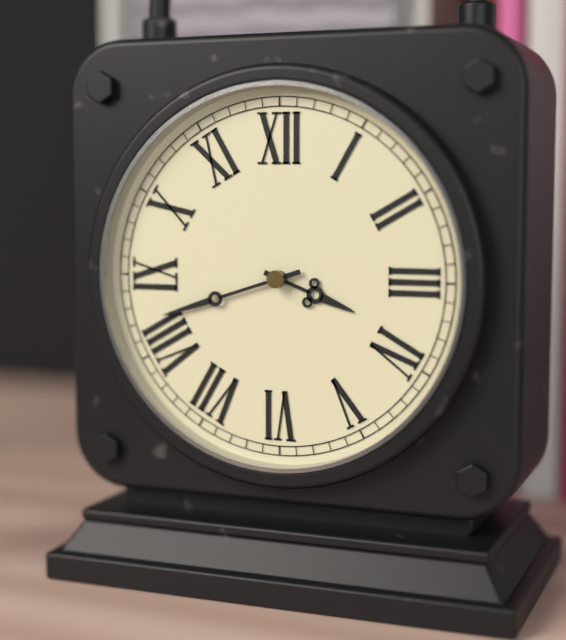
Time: **3:42**
